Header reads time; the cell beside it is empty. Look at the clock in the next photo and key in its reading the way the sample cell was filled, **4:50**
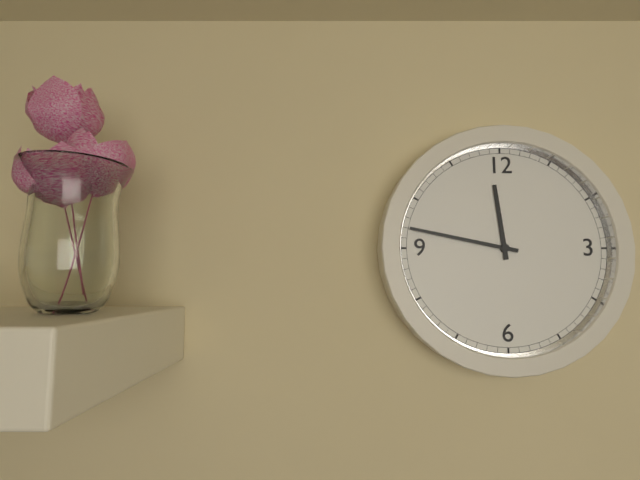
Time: **11:47**
